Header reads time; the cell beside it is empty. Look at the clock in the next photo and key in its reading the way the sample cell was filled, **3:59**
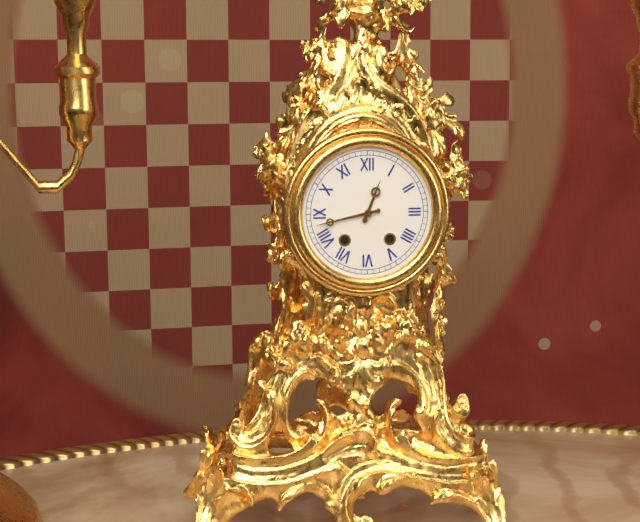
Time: **12:43**
